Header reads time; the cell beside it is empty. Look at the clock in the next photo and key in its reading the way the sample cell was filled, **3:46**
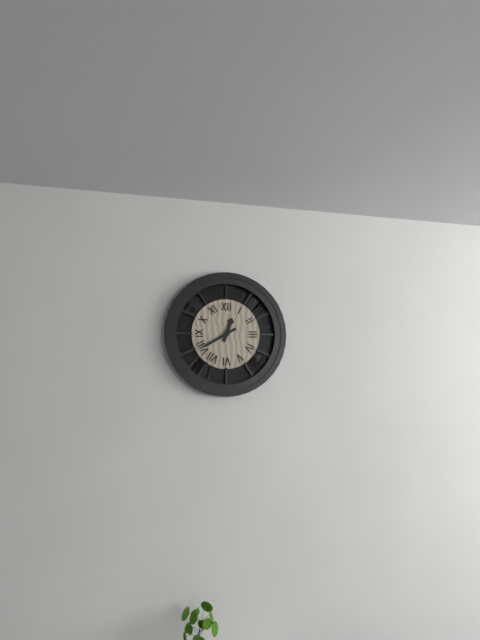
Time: **12:40**
